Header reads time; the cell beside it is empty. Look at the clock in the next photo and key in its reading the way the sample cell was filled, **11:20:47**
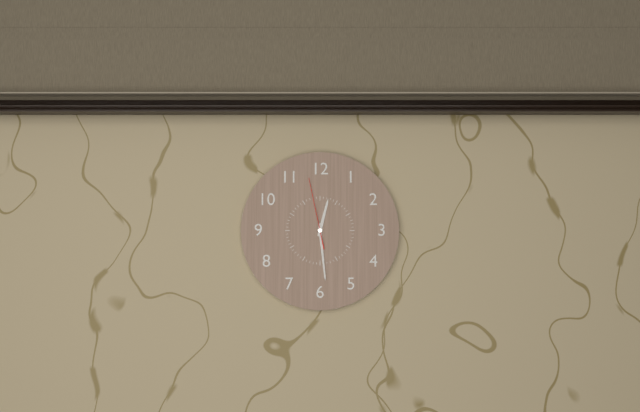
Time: **12:29:58**
